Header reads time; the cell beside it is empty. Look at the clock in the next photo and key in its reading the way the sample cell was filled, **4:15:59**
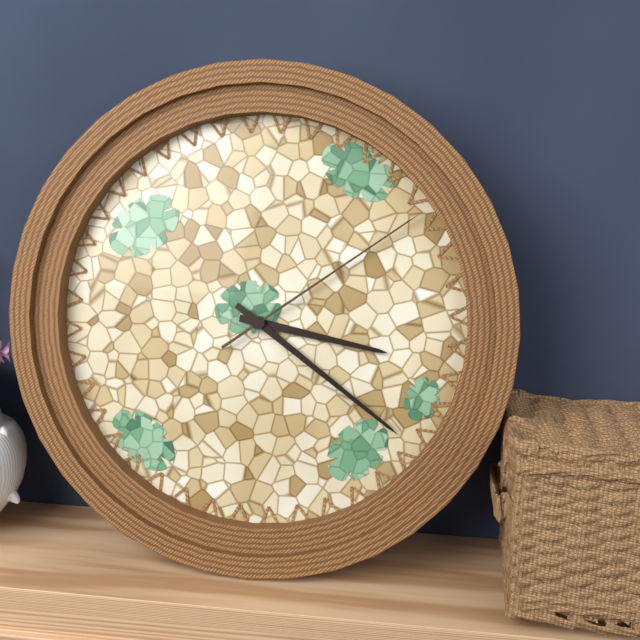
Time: **3:21:09**
